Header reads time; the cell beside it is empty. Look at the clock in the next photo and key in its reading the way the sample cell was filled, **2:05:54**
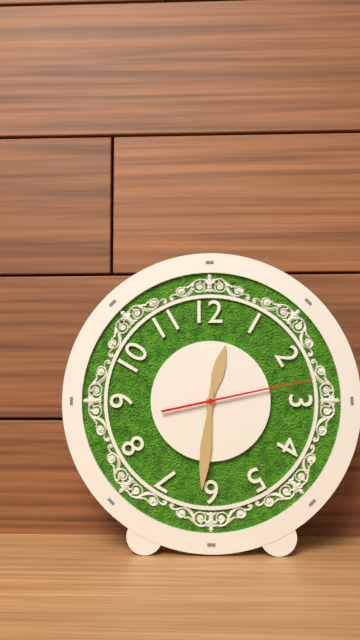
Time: **12:31:13**
